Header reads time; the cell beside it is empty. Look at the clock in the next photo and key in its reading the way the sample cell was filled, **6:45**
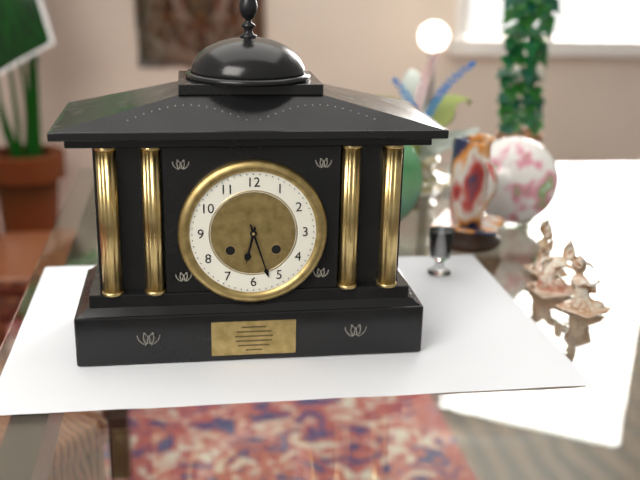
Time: **6:27**
